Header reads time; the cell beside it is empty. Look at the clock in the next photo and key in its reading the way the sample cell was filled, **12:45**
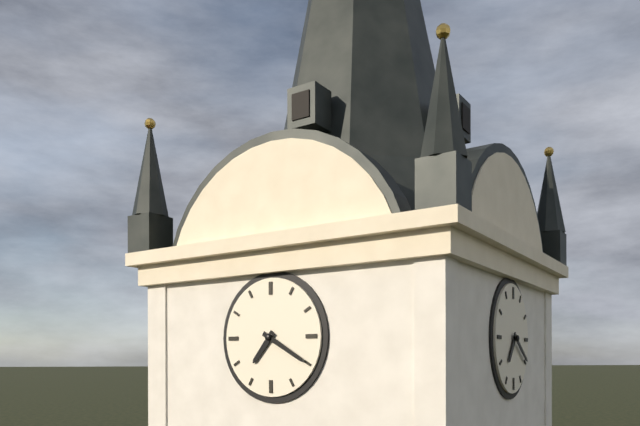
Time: **7:20**
